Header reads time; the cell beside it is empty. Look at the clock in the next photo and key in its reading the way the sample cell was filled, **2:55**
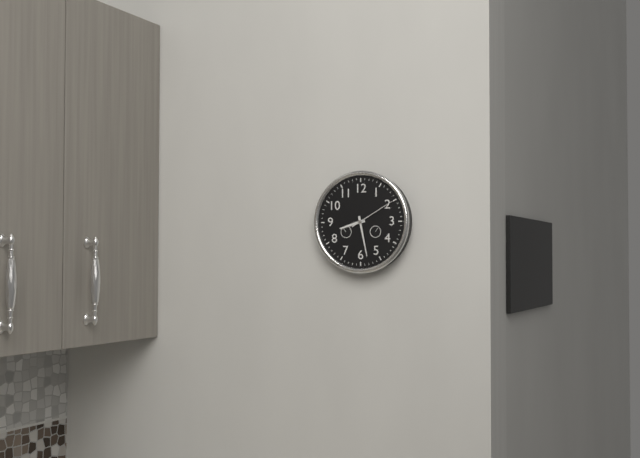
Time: **8:28**
